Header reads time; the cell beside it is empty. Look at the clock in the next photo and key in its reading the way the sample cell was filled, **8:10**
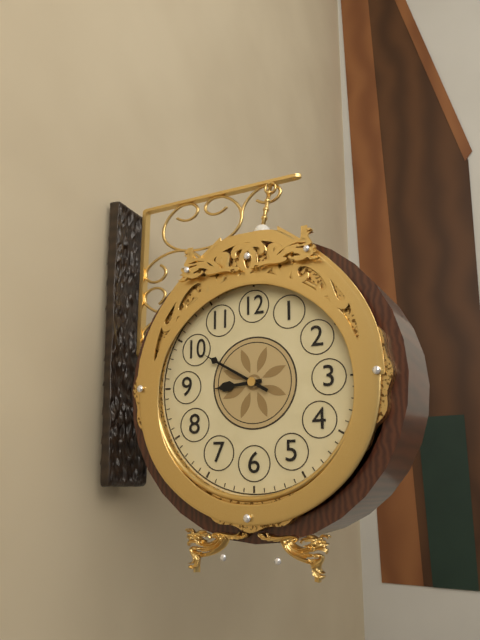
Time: **8:50**
